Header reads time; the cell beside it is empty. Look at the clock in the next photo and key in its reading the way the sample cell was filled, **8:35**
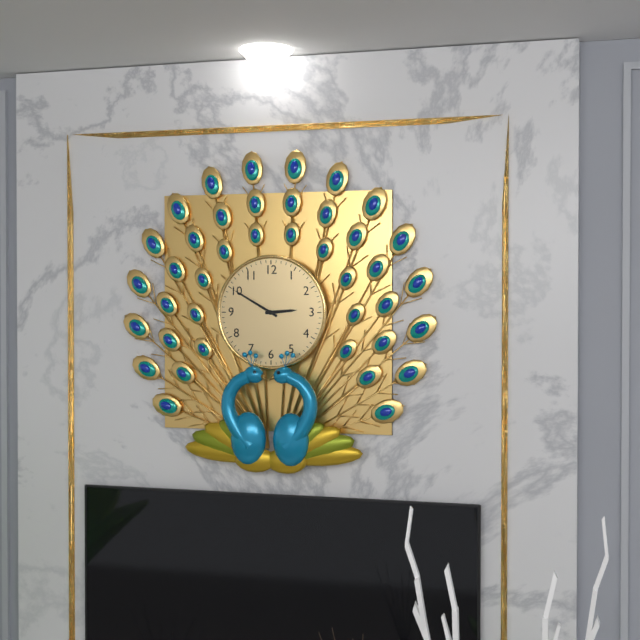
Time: **2:50**
